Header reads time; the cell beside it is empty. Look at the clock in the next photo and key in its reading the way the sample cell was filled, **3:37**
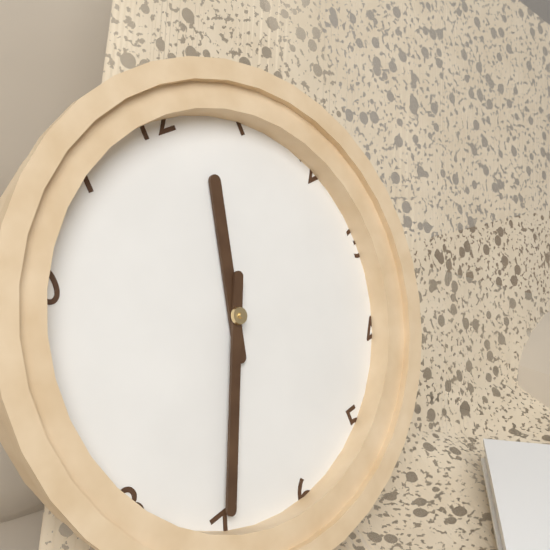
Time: **12:35**
